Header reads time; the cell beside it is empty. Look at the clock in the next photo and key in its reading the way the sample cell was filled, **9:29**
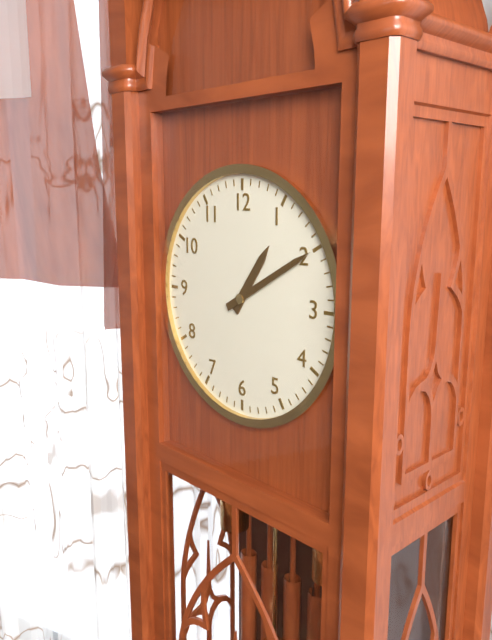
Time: **1:10**
